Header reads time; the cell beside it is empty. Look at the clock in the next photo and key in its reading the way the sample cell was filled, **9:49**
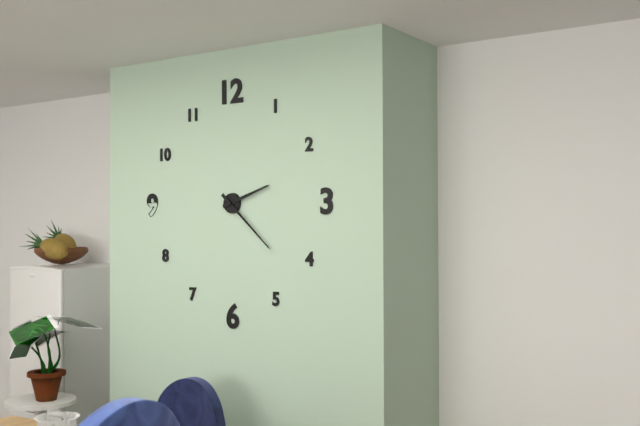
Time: **2:22**
